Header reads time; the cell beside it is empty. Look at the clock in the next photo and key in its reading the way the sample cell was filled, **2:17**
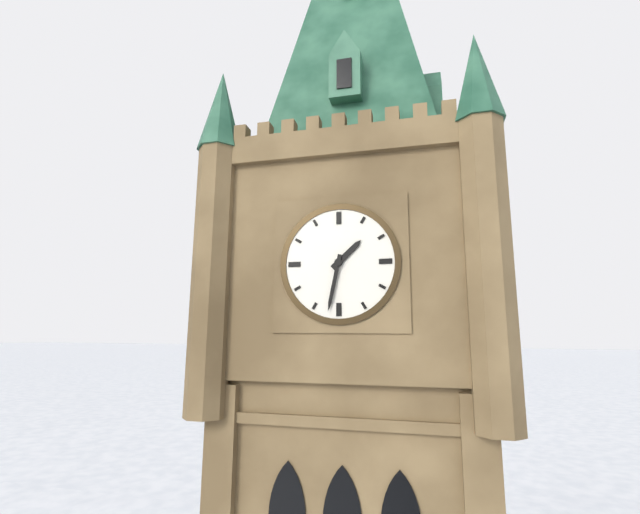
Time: **1:32**
